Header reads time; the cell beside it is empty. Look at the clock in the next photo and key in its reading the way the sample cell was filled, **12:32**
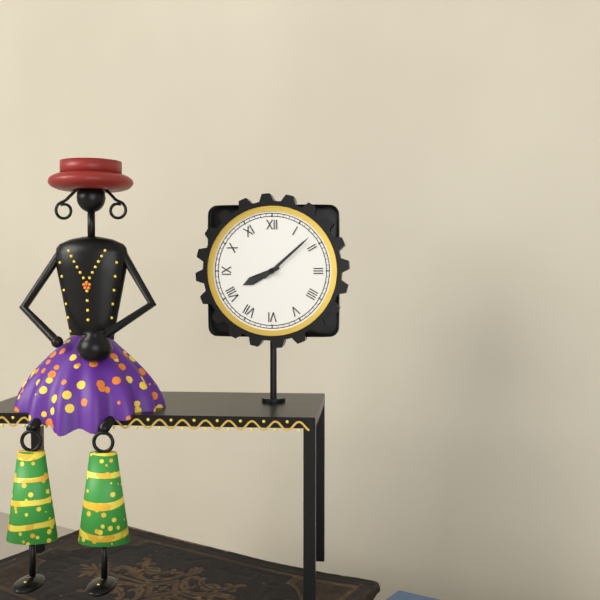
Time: **8:08**
